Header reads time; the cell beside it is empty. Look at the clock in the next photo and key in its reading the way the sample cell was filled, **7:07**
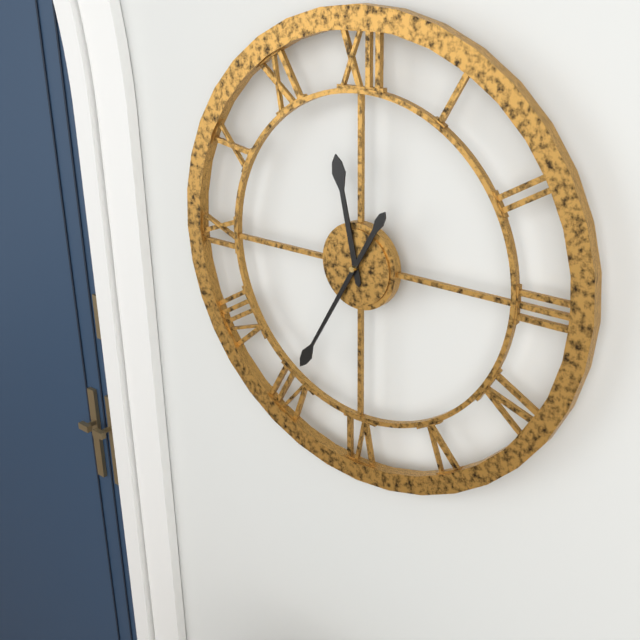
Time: **11:35**
